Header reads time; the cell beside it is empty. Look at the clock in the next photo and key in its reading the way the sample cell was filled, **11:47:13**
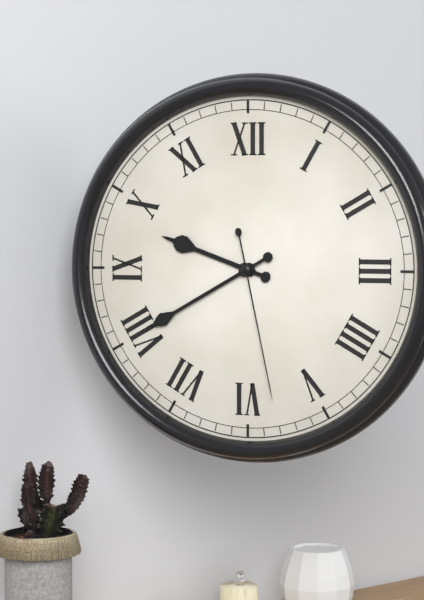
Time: **9:40:28**
